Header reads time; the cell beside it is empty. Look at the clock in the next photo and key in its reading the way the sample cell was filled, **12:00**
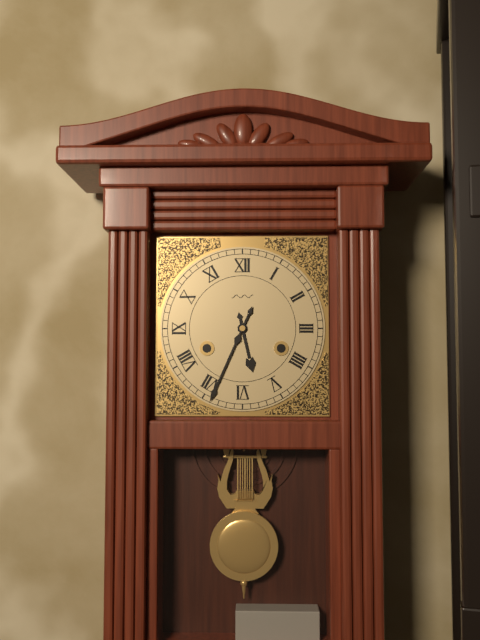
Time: **5:34**
